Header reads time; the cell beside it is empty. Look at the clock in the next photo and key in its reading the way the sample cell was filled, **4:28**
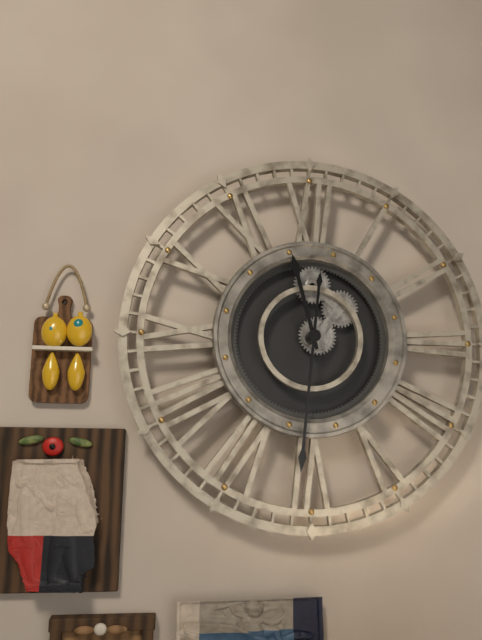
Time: **11:31**
